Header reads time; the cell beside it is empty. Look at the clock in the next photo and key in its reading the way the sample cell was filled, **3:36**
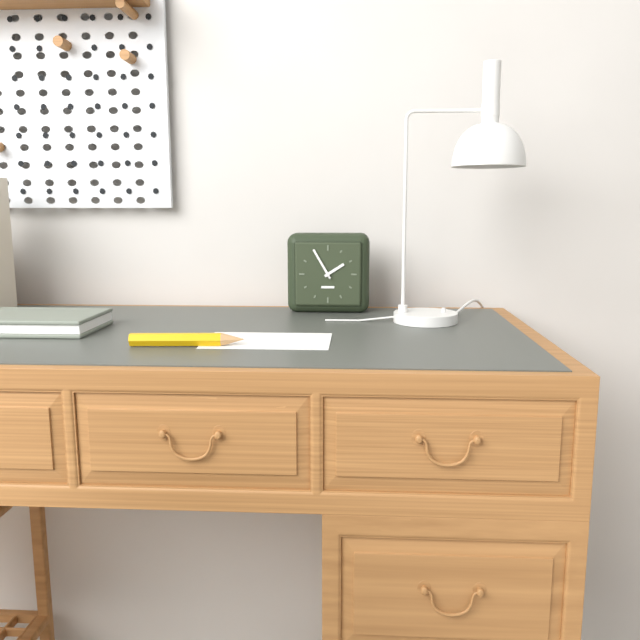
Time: **1:55**
